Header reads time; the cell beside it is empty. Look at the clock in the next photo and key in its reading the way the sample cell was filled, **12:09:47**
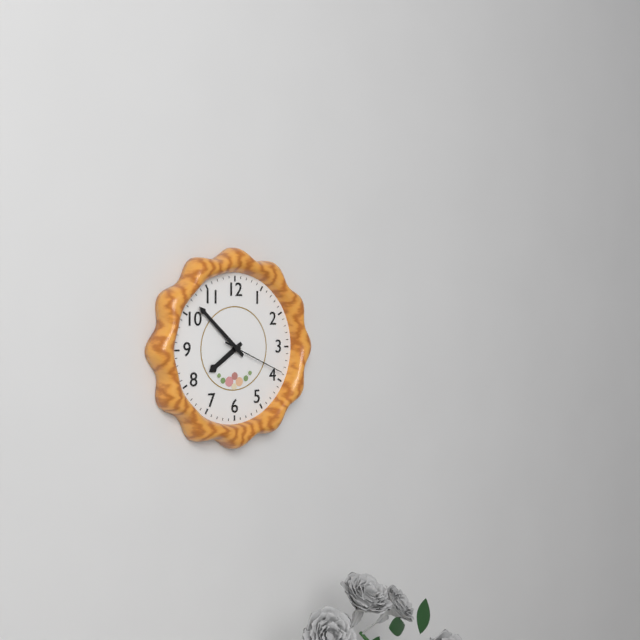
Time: **7:52:19**
